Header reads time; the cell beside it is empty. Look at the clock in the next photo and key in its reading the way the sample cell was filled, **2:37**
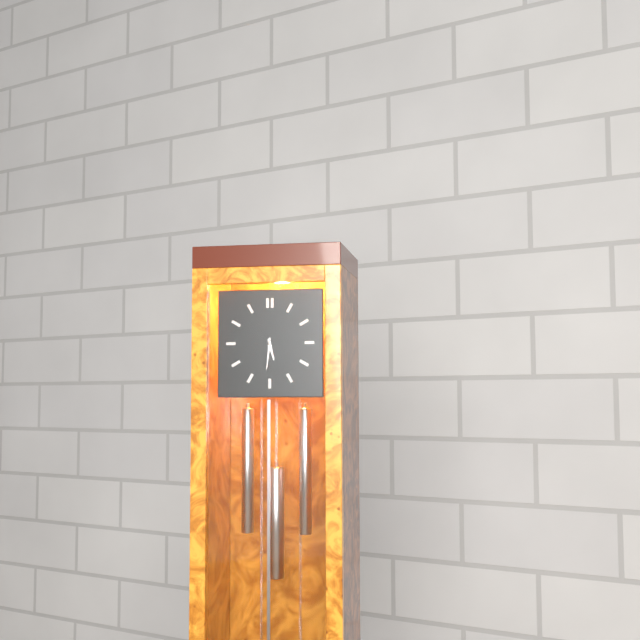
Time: **5:31**
